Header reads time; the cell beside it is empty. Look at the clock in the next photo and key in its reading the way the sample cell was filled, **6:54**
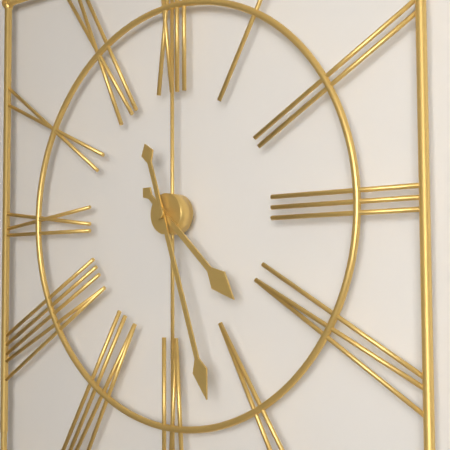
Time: **4:27**
